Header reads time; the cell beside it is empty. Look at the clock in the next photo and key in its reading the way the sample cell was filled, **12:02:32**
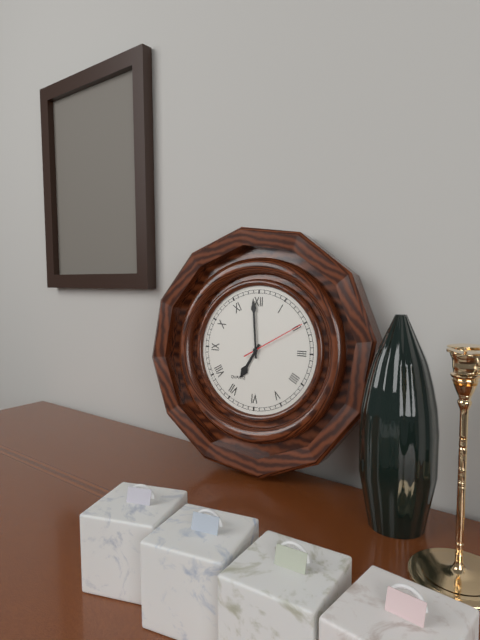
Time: **6:59:10**
